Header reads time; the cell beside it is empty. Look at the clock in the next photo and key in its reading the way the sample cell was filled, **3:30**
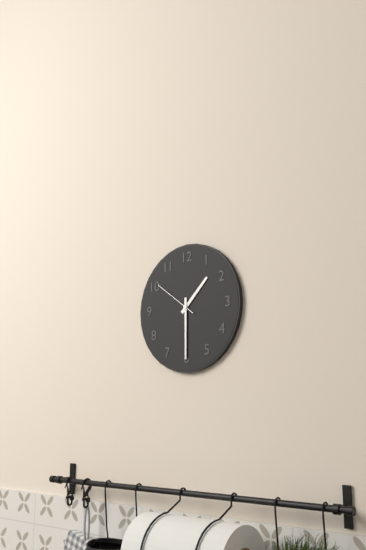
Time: **1:30**
